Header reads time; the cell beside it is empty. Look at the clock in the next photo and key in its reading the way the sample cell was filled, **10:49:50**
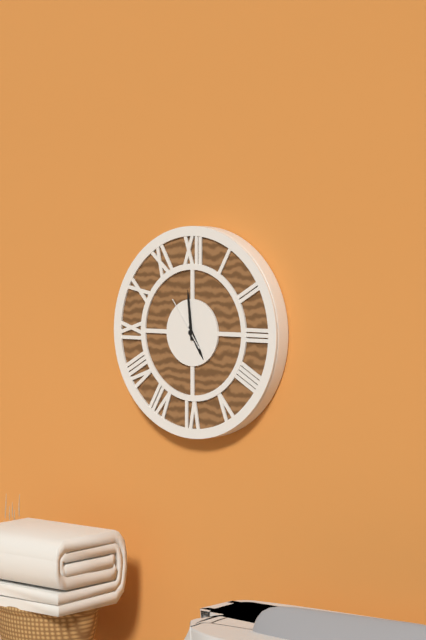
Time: **4:59:54**
